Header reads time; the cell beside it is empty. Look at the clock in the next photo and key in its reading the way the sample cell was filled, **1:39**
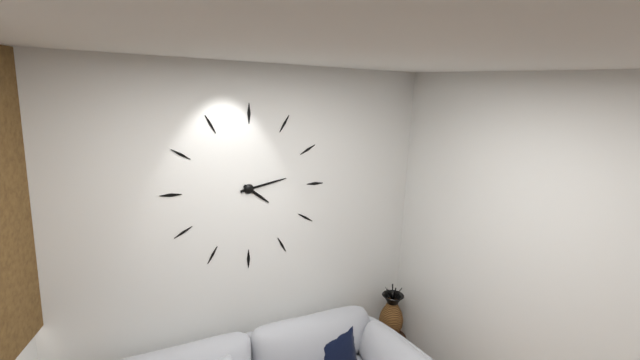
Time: **4:13**
